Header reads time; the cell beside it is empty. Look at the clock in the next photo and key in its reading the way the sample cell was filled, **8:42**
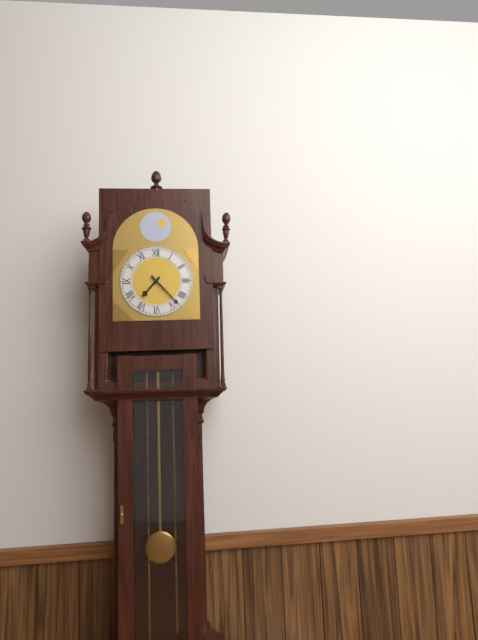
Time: **7:23**
